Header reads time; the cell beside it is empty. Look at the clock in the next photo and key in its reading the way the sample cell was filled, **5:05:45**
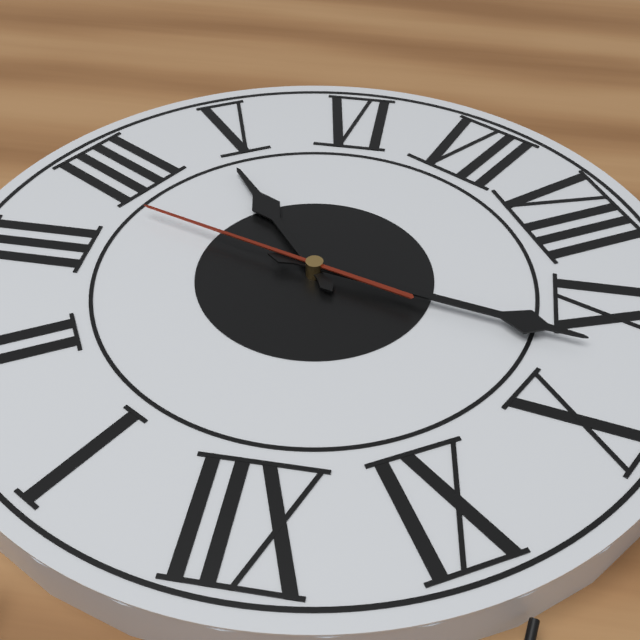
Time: **4:47:18**
